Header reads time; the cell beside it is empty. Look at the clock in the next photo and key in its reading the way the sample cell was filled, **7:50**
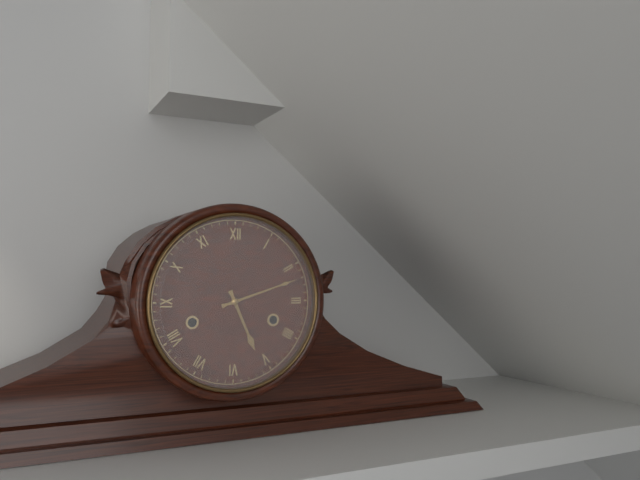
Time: **5:12**
